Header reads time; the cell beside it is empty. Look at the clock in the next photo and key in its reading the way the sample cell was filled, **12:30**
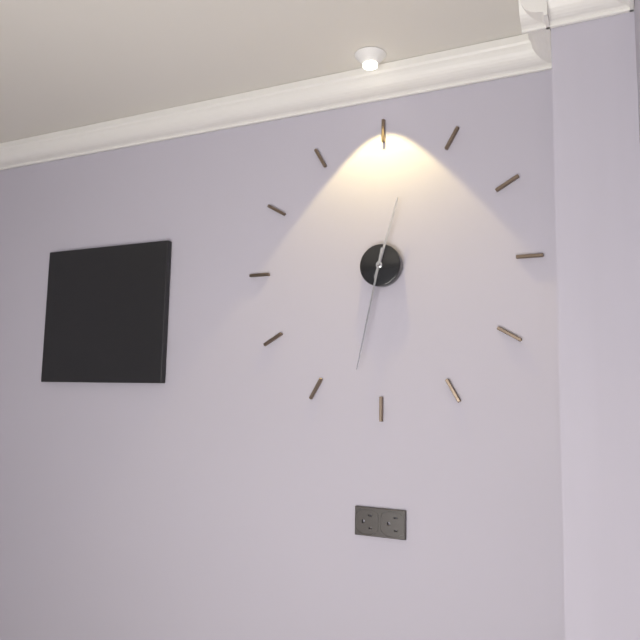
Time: **12:32**
